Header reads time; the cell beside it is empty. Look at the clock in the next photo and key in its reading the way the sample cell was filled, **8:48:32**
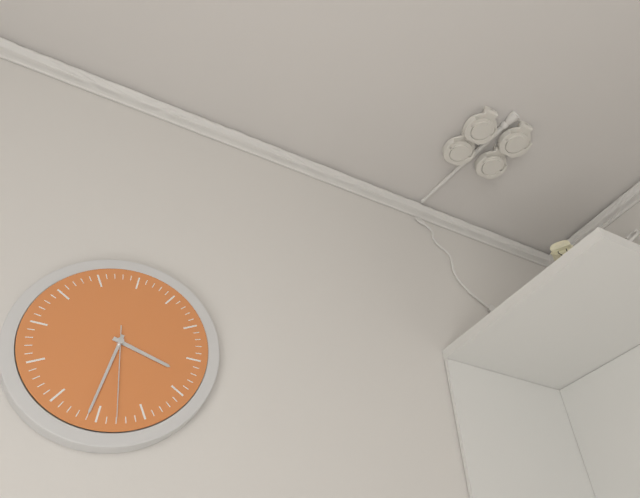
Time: **3:31:28**
